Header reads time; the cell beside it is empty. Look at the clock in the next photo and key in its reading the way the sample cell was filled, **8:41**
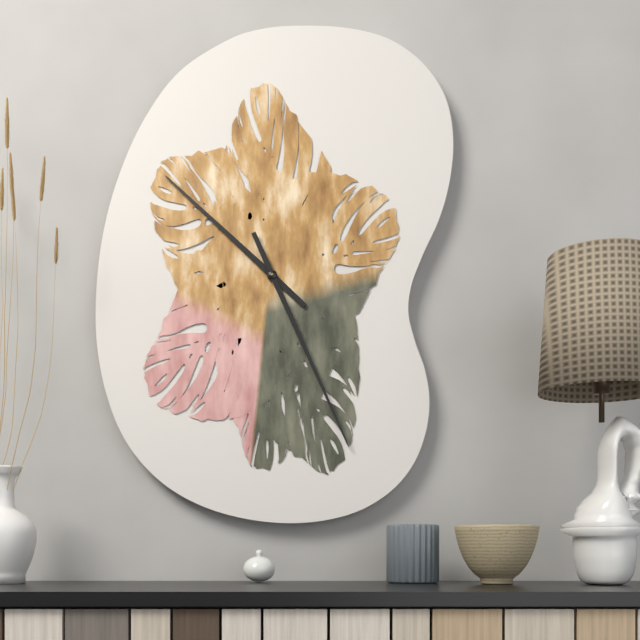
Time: **10:26**
